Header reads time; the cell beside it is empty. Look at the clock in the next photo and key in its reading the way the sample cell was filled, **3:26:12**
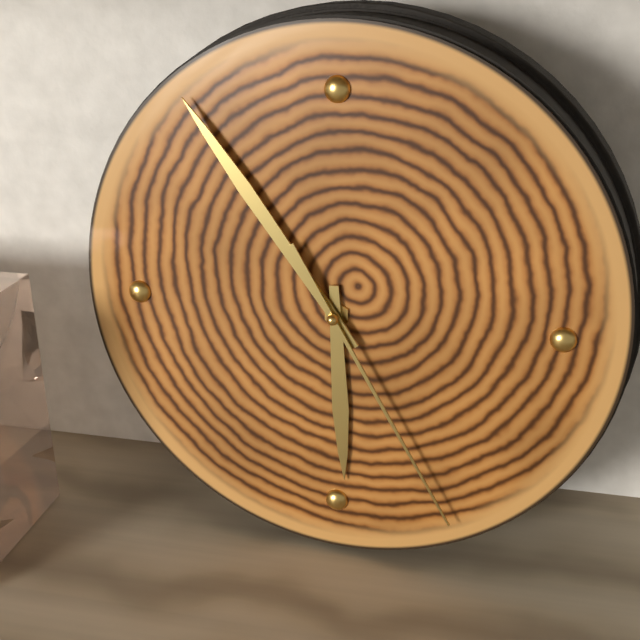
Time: **5:54:25**
